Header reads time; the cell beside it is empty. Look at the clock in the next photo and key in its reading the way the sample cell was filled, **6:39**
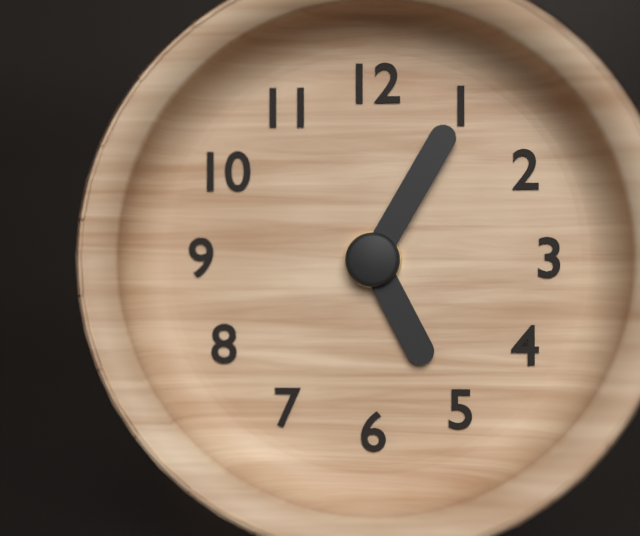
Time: **5:05**
